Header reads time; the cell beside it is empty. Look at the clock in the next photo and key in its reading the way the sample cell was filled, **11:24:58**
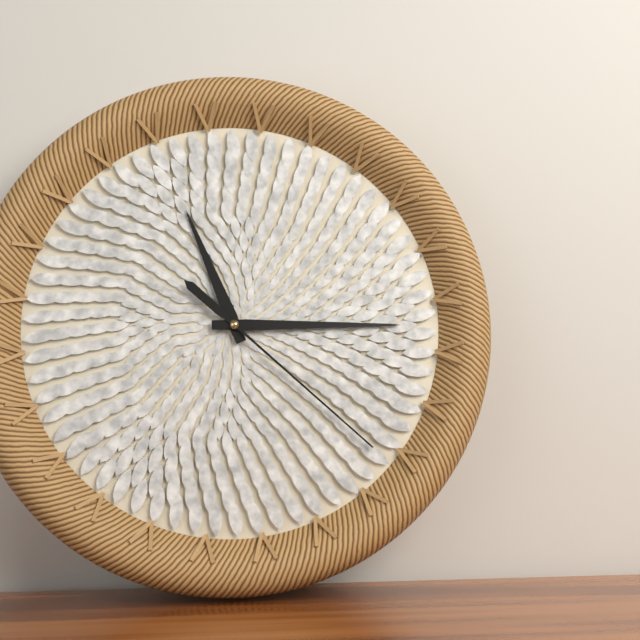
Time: **11:15:22**
